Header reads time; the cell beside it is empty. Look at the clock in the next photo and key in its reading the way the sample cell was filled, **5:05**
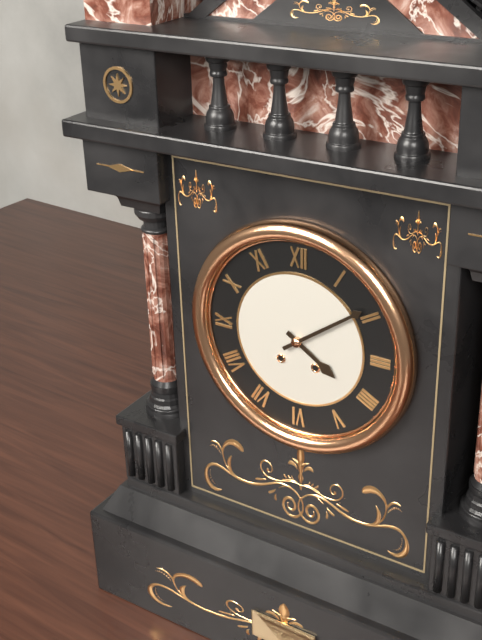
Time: **4:09**
